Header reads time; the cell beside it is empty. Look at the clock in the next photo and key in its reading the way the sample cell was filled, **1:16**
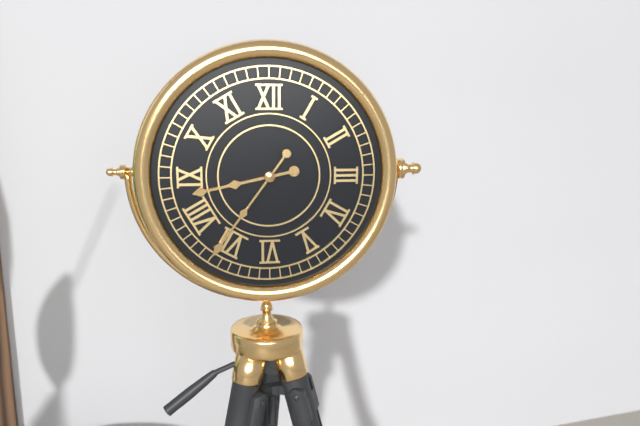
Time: **8:36**
